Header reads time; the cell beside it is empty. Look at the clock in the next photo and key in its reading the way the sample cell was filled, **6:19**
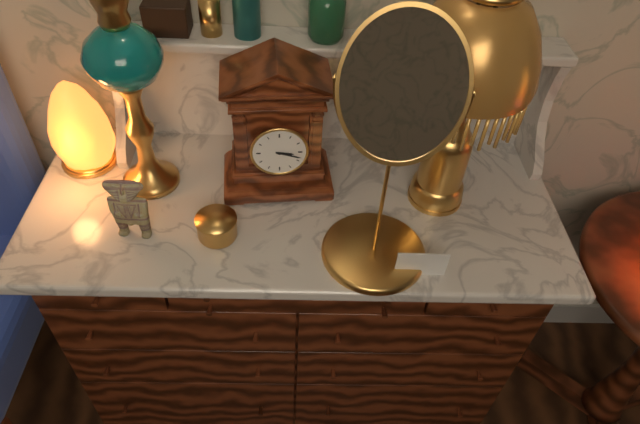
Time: **3:18**
